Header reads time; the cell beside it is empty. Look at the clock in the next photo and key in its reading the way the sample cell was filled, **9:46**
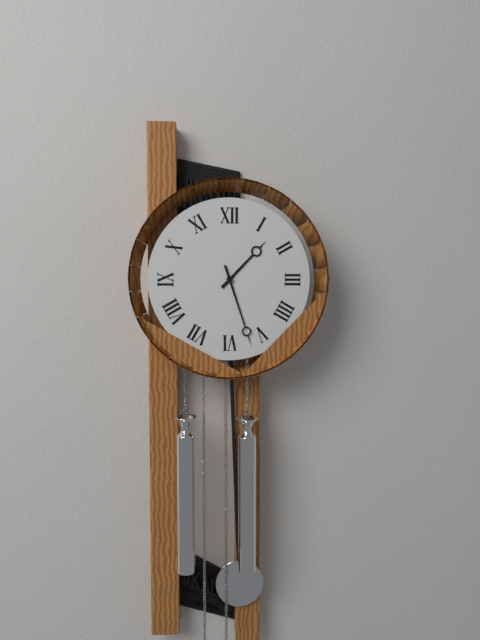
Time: **1:27**
